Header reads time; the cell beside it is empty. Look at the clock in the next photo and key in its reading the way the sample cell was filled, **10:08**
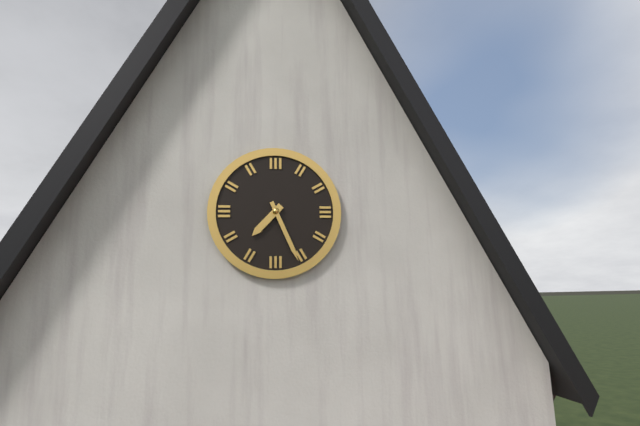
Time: **7:26**
